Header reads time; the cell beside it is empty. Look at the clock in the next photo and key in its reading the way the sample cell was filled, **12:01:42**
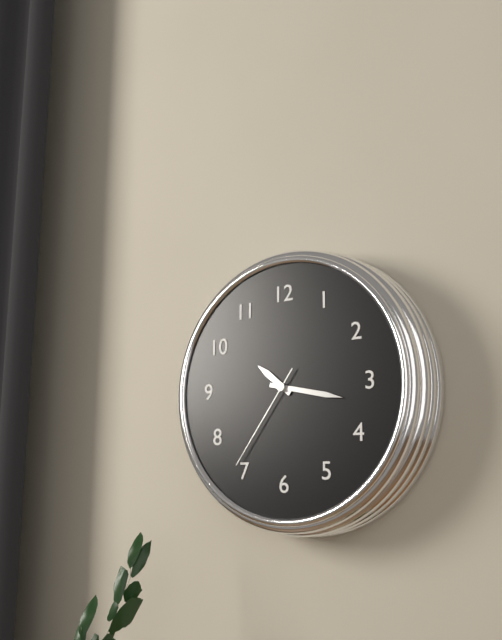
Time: **10:17:36**
